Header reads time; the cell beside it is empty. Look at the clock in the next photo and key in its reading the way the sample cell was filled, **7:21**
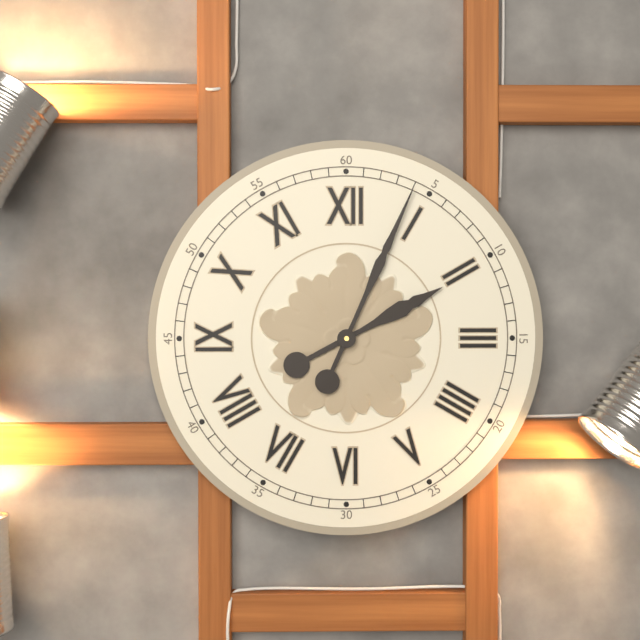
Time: **2:04**
